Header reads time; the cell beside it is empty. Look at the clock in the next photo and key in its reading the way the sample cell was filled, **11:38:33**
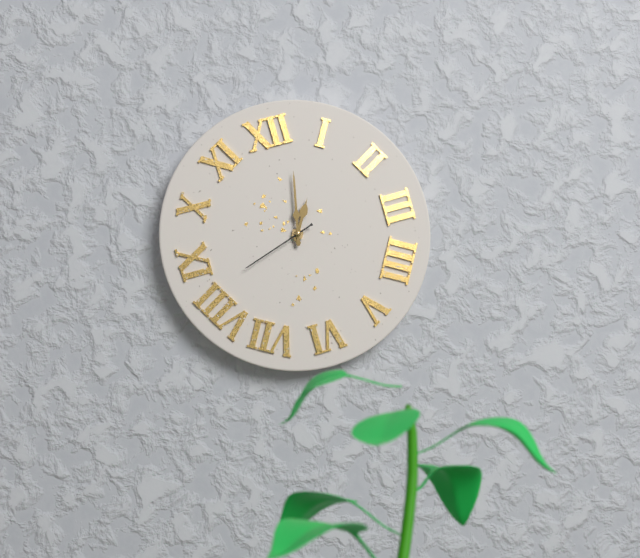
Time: **1:02:42**
